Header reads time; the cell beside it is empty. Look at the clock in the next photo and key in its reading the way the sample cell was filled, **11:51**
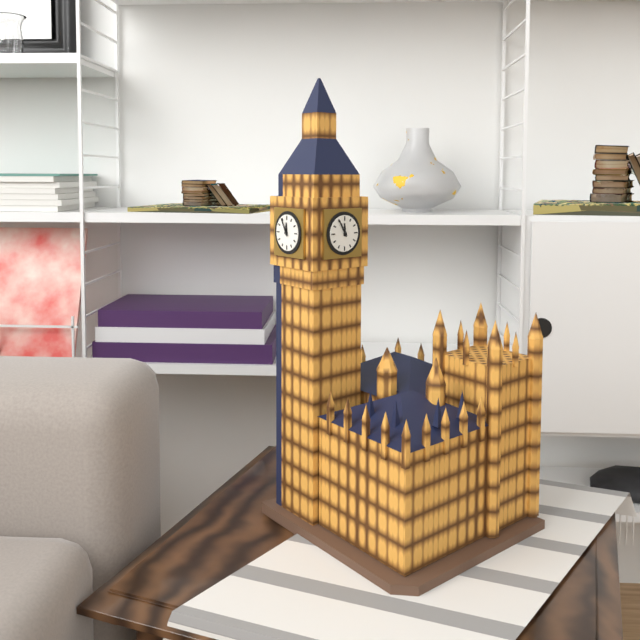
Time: **11:55**
